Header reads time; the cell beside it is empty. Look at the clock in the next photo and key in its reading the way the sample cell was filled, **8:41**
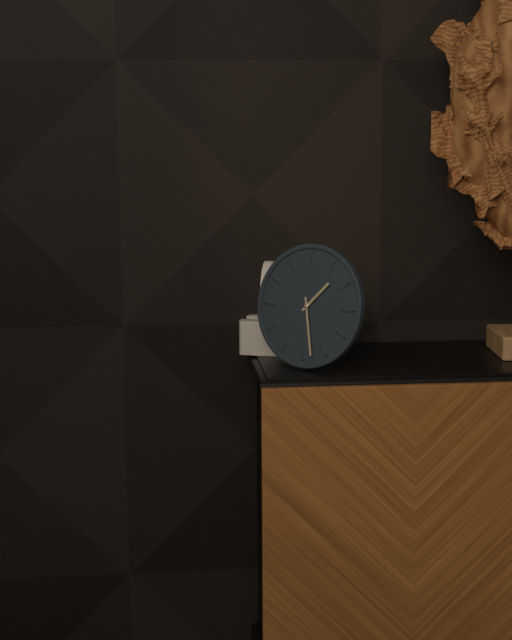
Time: **1:28**
